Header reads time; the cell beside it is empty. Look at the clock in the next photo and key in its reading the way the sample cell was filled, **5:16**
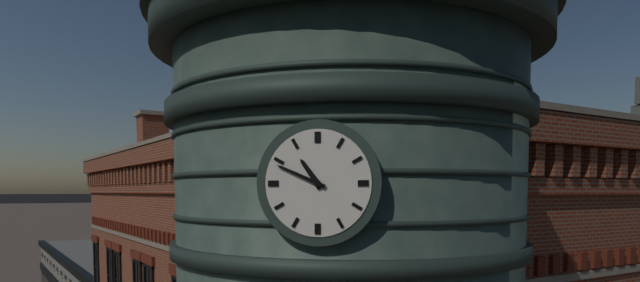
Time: **10:49**
